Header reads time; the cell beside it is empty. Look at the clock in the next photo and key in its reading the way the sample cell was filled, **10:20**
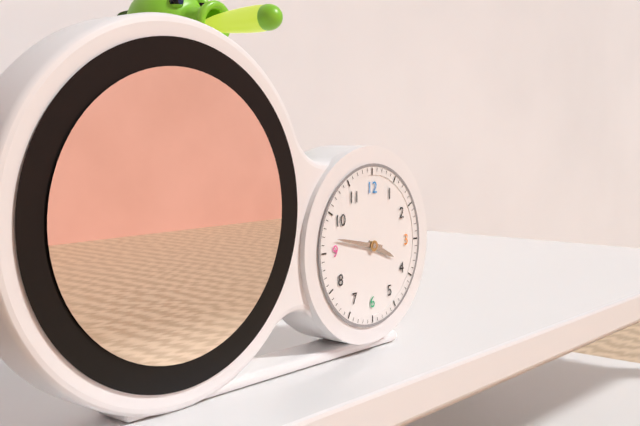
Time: **3:47**
